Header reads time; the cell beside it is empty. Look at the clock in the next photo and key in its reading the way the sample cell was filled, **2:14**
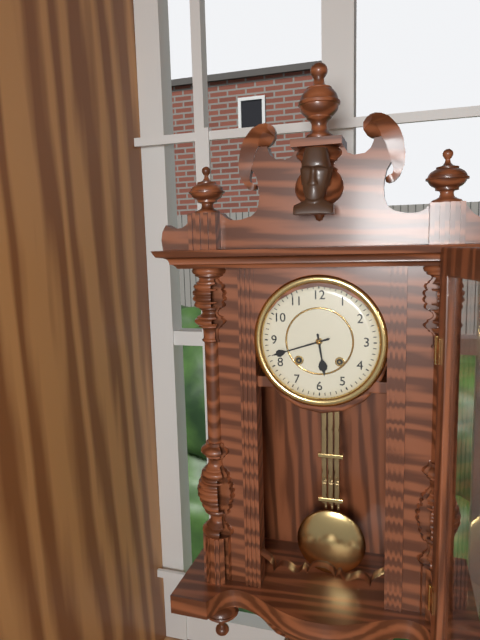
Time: **5:42**
